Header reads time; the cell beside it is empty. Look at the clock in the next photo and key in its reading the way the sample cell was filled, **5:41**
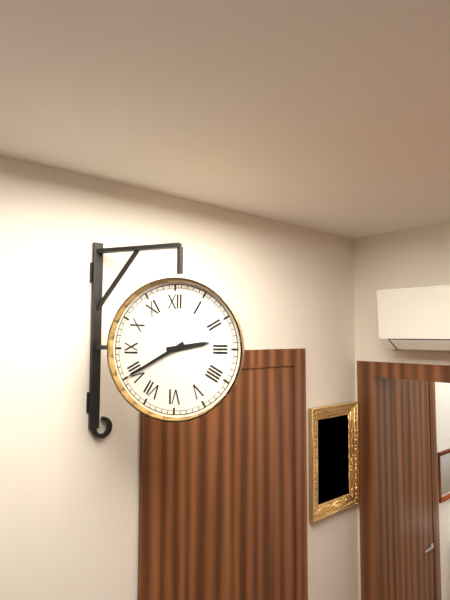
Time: **2:40**
